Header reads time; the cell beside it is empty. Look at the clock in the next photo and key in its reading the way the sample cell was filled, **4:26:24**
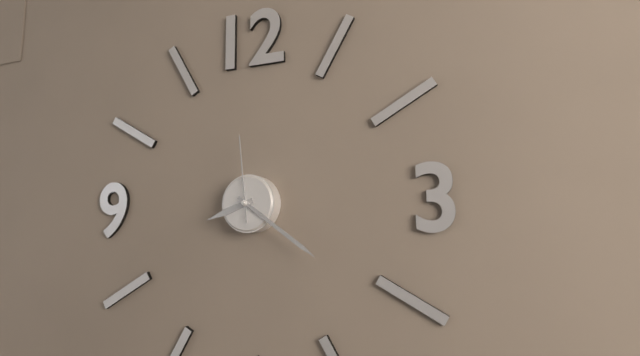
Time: **8:21:59**
